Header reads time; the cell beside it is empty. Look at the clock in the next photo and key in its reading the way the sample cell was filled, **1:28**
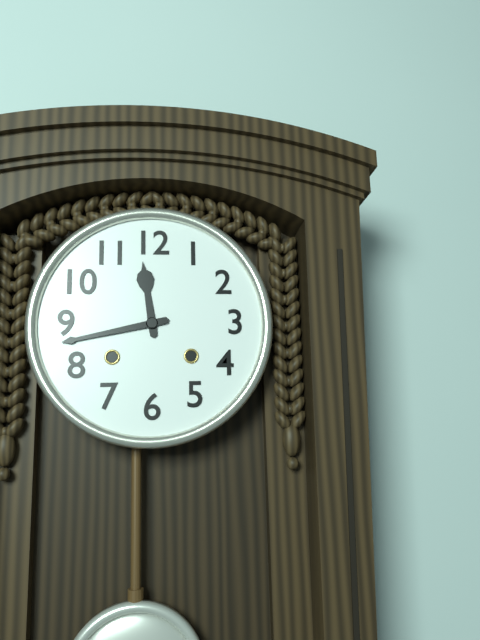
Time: **11:43**
